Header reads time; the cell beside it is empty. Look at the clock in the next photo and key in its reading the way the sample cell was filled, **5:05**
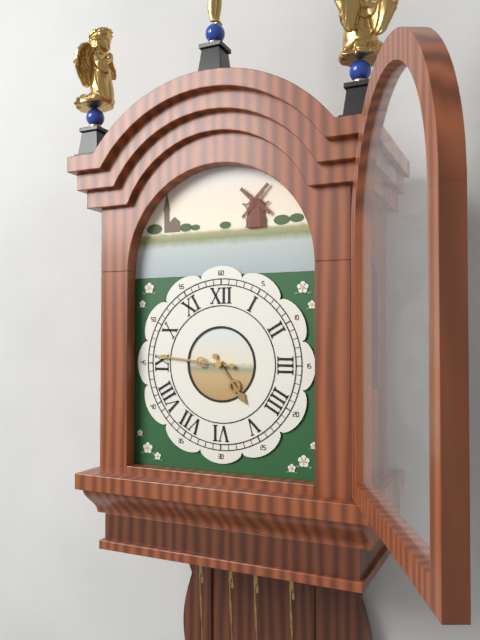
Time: **4:46**
